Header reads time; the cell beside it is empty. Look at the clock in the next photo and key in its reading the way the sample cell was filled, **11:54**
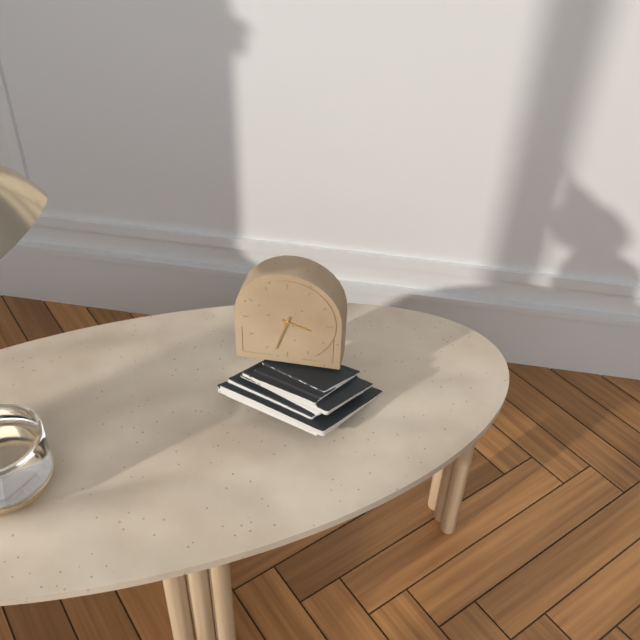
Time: **3:33**
